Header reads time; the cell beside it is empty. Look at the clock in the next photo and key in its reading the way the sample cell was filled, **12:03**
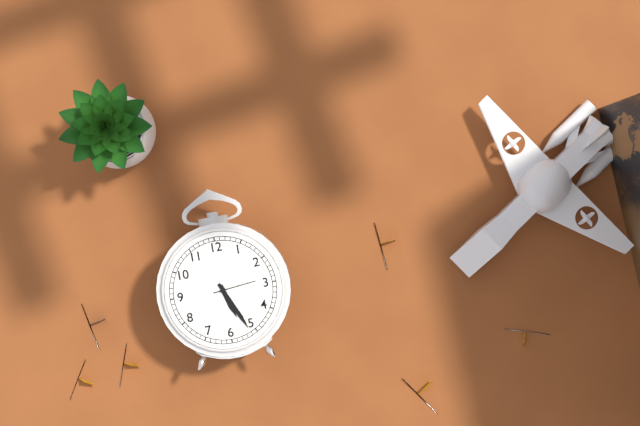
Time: **5:26**
